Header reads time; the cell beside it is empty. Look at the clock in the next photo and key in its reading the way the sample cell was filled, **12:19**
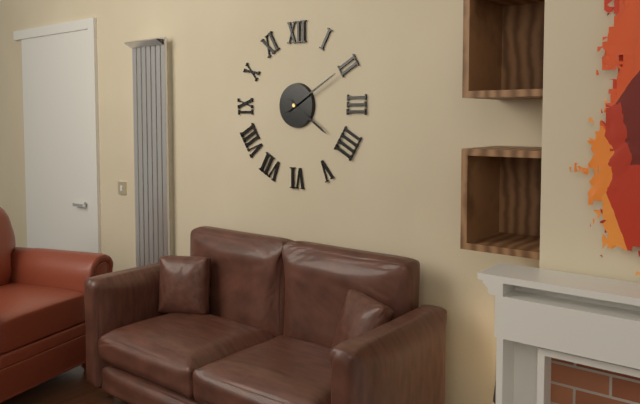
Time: **4:10**
